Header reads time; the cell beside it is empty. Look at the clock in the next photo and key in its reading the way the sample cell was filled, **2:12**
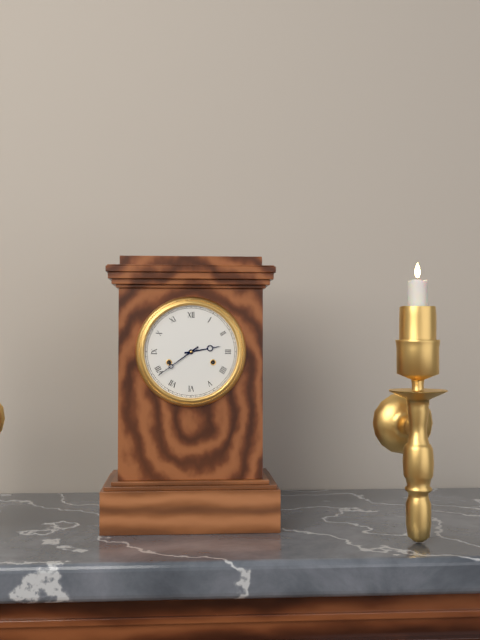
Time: **2:39**
